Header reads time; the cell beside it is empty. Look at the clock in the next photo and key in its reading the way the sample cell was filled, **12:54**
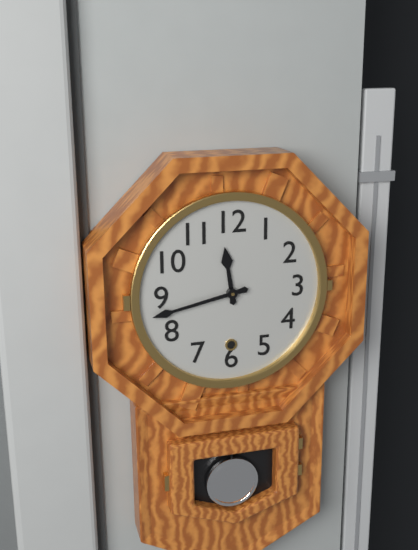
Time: **11:43**
